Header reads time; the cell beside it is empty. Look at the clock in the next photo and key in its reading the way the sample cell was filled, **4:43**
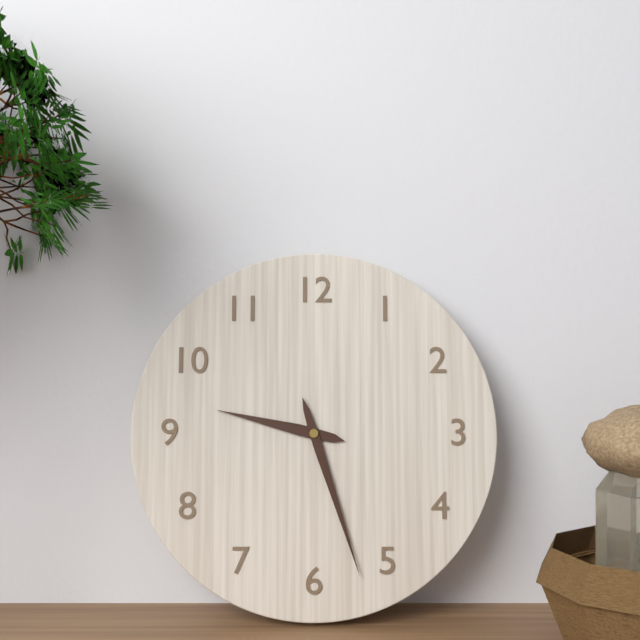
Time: **9:27**
